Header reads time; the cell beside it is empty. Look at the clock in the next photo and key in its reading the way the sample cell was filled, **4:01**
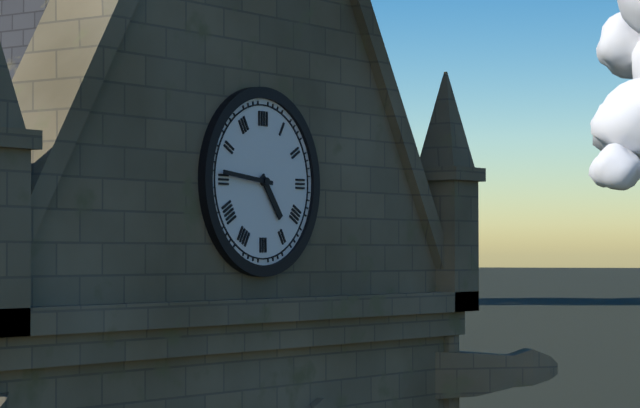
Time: **4:46**
